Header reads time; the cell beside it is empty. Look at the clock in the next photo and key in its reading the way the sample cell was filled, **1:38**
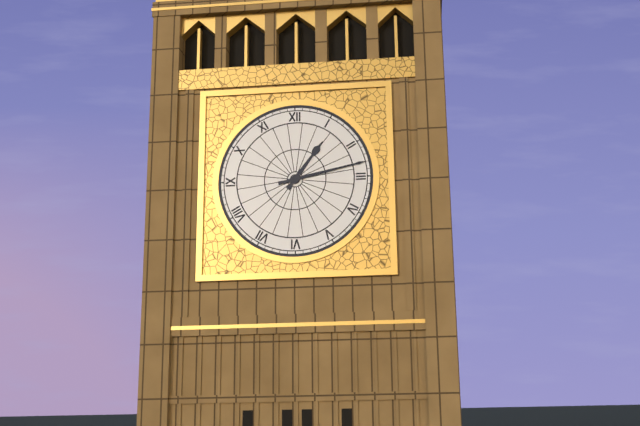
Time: **1:13**
